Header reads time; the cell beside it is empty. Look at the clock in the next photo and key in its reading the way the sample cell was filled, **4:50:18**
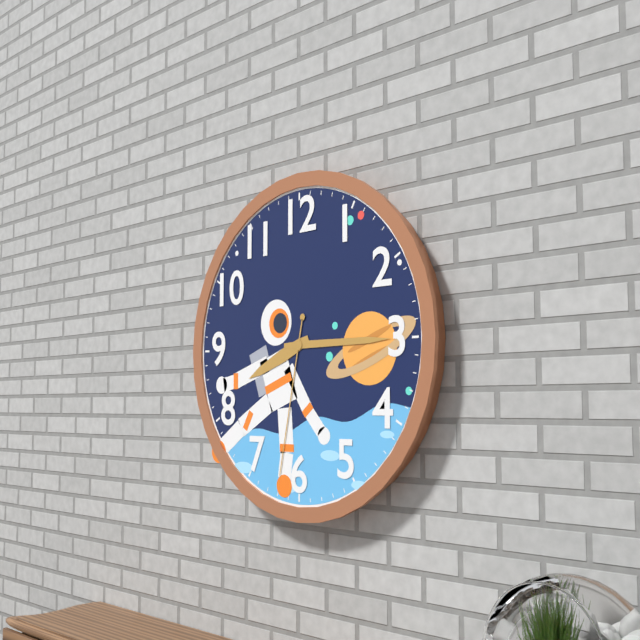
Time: **8:15:32**
